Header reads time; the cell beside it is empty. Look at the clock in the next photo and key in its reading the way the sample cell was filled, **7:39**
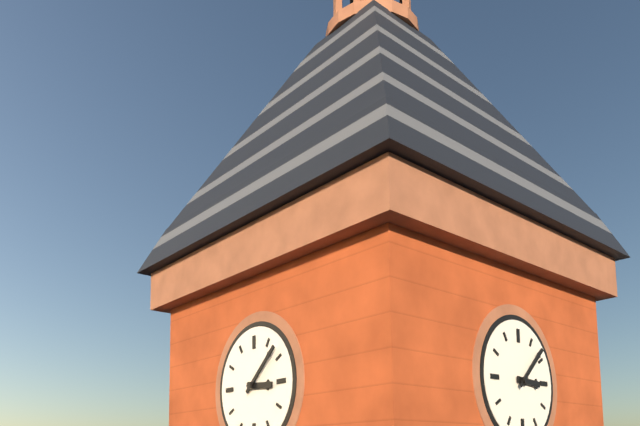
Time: **3:08**
